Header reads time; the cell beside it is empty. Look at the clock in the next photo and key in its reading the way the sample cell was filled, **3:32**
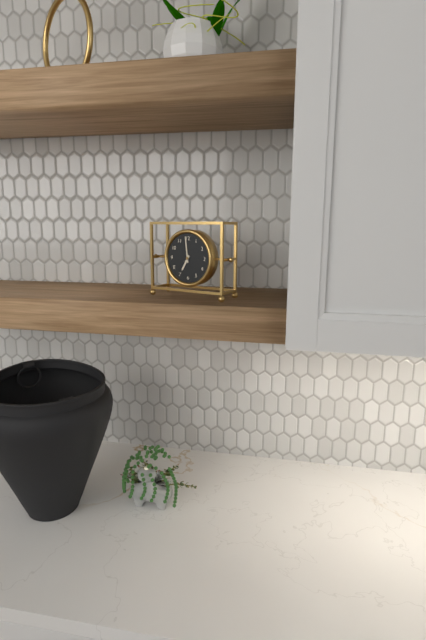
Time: **6:59**
